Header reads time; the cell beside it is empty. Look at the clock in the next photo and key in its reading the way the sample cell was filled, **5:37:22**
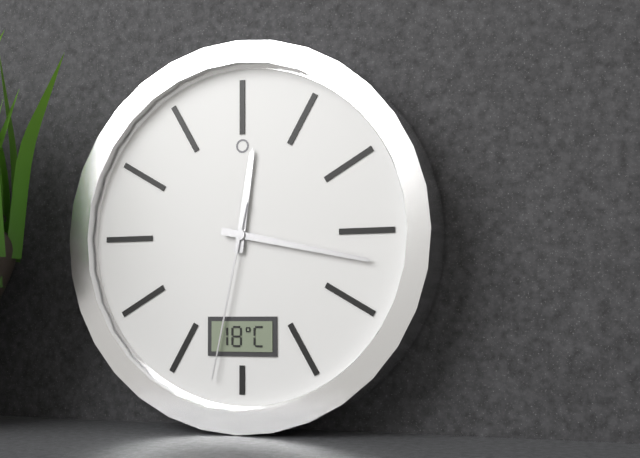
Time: **12:17:32**
